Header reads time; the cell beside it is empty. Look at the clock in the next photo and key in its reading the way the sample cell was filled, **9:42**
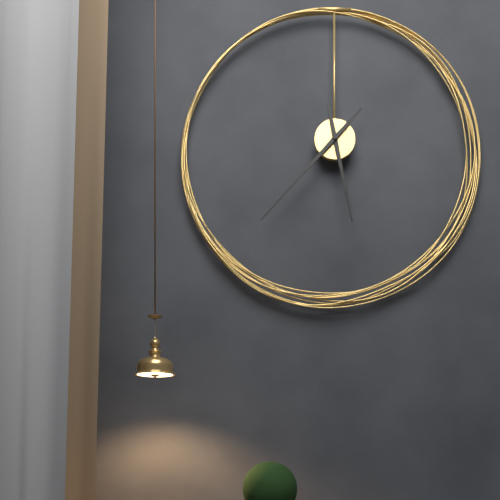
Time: **5:37**
